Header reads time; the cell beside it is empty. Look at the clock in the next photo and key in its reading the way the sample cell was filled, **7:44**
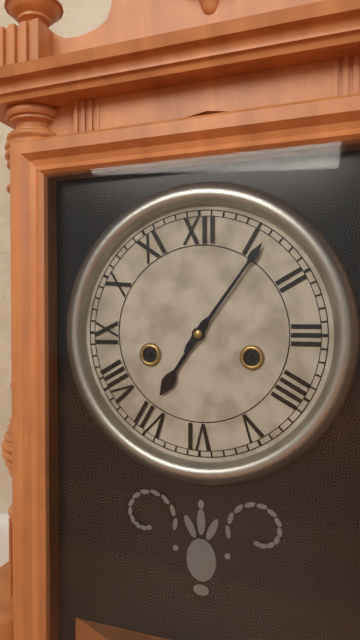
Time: **7:06**
